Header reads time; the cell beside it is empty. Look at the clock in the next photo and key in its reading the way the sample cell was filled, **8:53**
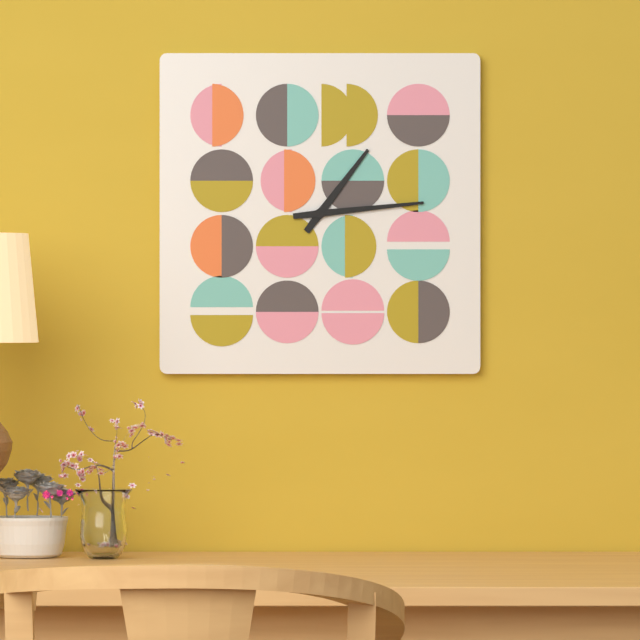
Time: **1:14**
